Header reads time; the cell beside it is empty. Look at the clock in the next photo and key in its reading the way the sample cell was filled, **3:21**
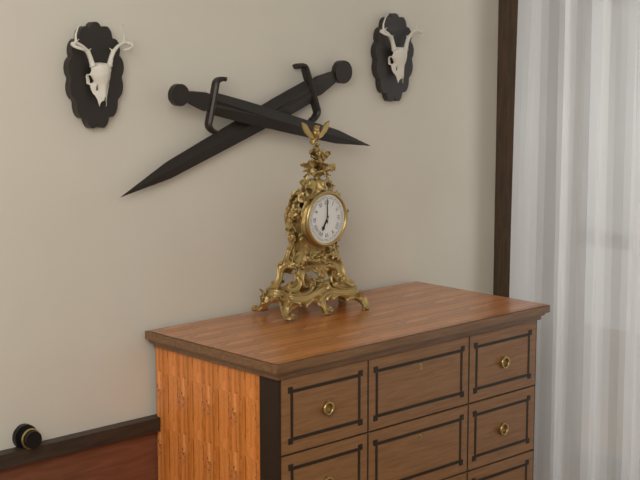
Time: **7:00**
